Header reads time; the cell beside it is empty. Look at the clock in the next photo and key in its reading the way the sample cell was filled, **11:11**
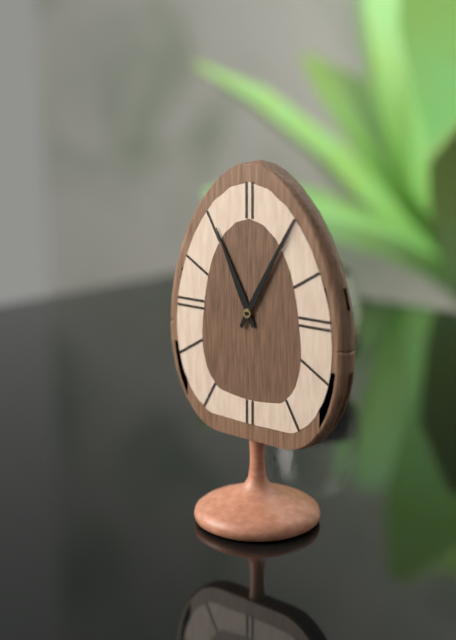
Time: **11:05**
